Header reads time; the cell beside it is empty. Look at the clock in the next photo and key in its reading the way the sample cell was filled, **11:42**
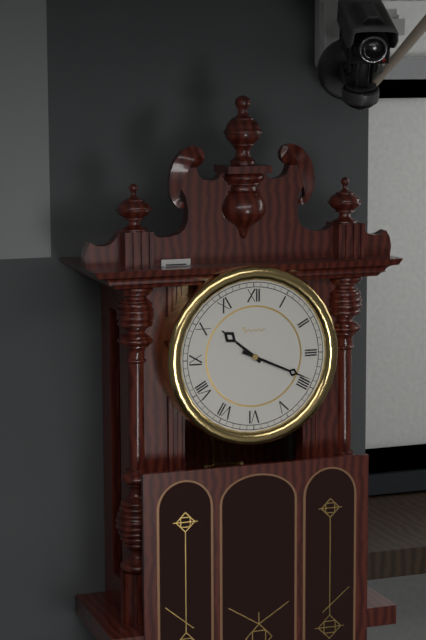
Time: **10:19**
